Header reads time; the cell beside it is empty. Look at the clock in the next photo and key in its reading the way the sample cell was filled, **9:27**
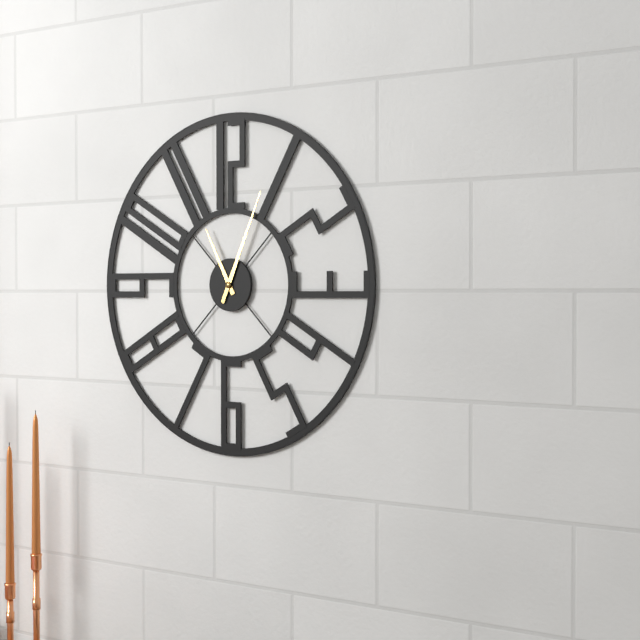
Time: **11:04**
